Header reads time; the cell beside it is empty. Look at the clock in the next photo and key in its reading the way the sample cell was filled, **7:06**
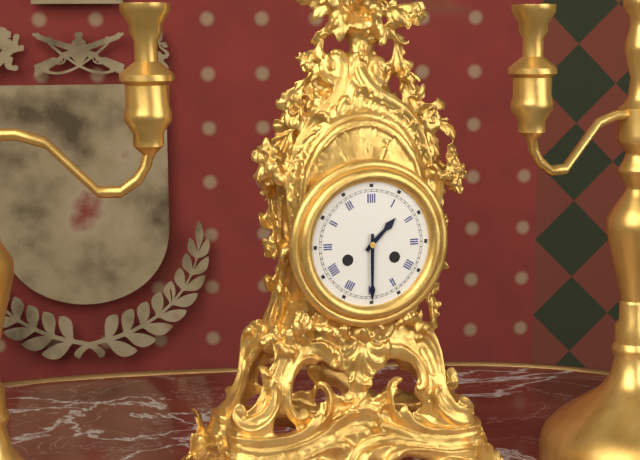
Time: **1:30**
